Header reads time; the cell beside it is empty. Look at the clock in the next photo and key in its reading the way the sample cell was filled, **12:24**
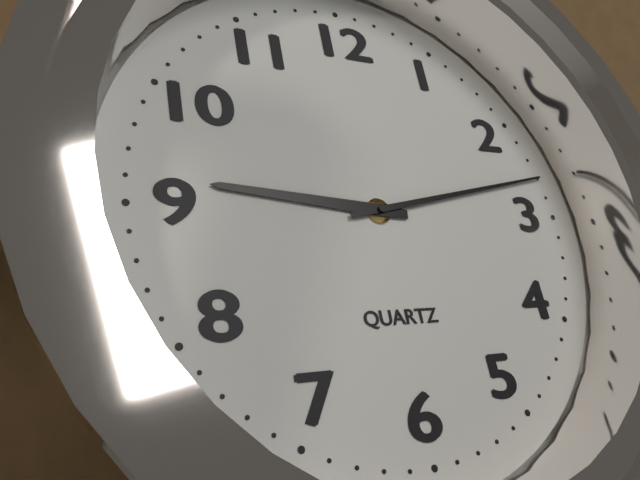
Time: **9:13**
